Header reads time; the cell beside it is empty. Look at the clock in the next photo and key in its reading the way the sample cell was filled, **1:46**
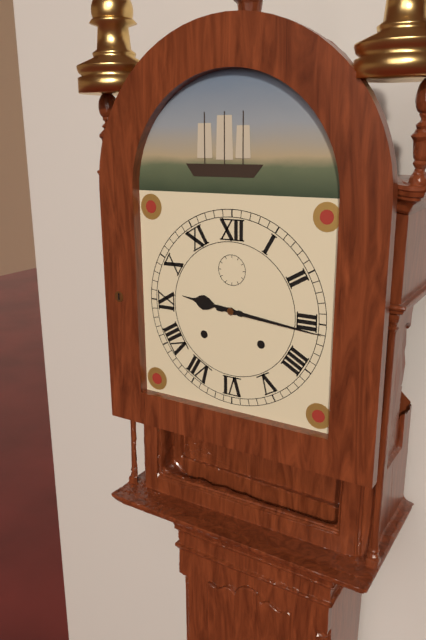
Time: **9:16**
